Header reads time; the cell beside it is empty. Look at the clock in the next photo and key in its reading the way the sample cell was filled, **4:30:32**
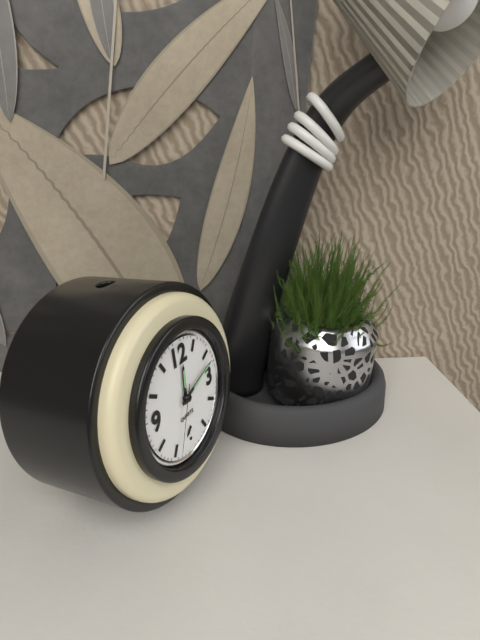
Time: **12:12:34**
